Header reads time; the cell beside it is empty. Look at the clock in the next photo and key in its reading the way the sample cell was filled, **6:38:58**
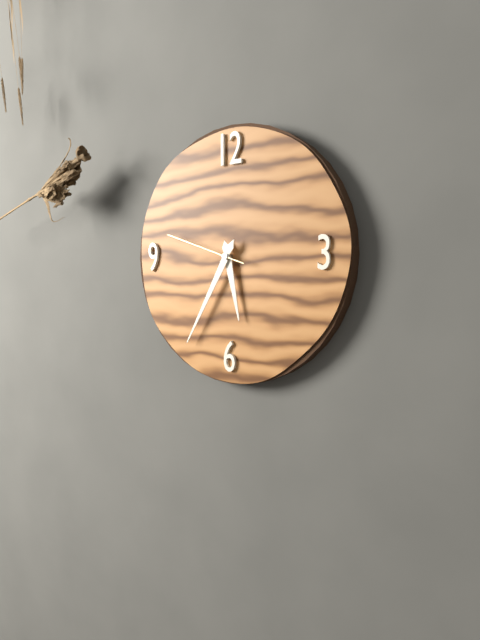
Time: **5:35:48**
